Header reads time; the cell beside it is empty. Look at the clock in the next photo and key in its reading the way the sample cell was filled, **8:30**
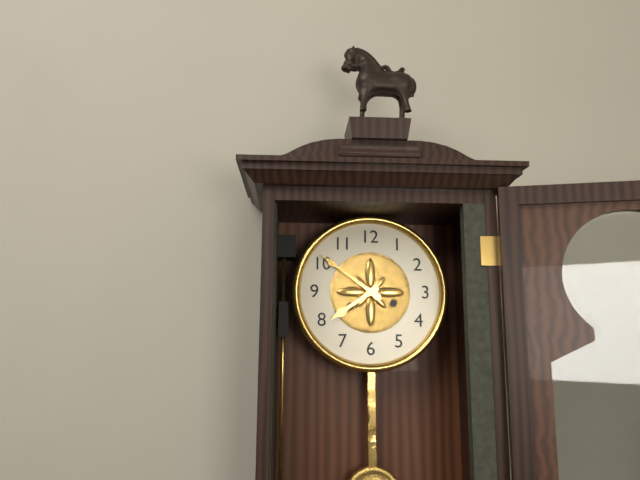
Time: **7:51**
